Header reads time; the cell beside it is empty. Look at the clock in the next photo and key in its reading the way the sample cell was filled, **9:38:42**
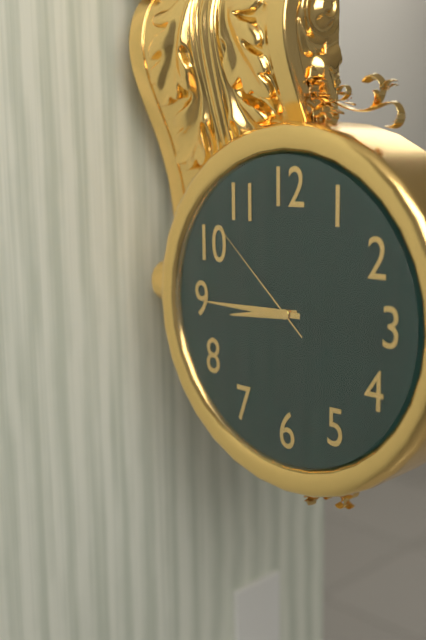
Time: **8:45:52**
